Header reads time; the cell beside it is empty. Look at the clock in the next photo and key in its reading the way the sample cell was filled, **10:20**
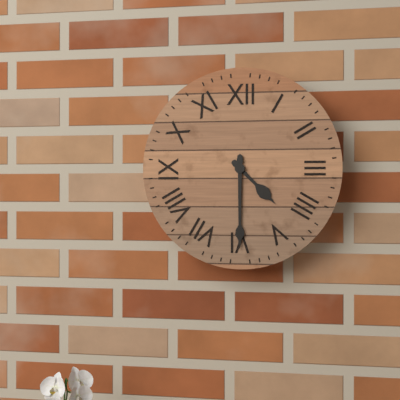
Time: **4:30**
